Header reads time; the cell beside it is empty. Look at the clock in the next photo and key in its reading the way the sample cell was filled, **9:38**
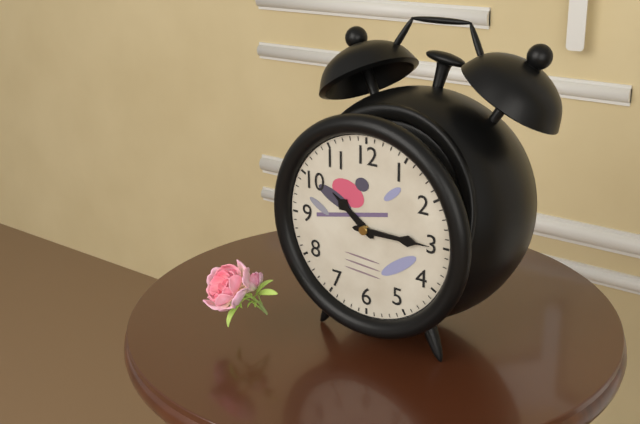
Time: **10:15**
